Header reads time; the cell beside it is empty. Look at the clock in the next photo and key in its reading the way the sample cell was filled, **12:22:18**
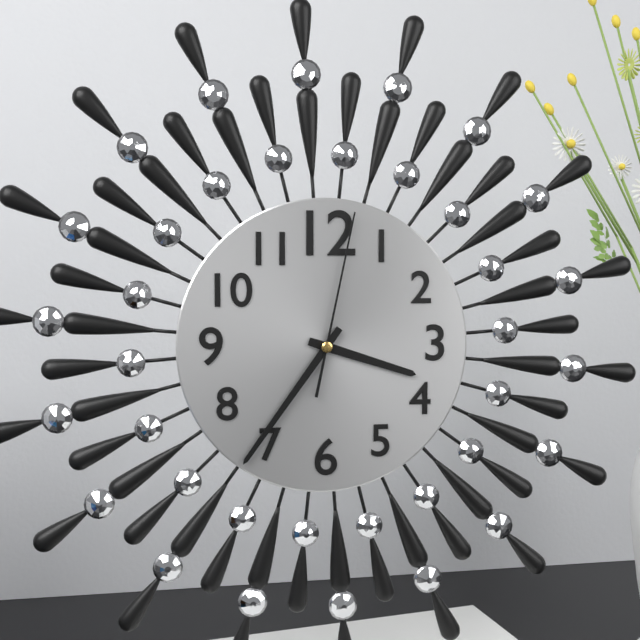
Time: **3:36:02**
